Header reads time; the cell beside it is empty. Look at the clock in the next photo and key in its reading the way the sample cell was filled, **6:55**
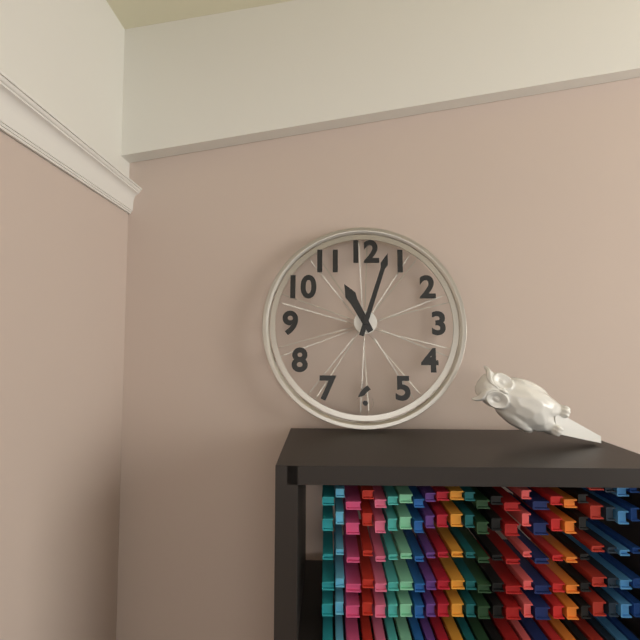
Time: **11:03**
